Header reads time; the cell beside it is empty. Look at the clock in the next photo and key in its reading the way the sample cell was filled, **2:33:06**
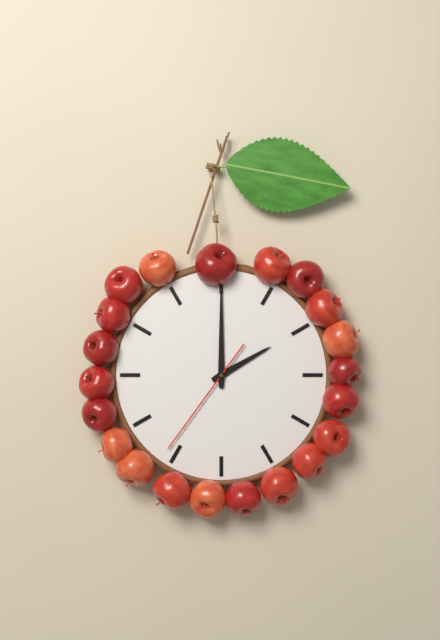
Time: **2:00:36**
